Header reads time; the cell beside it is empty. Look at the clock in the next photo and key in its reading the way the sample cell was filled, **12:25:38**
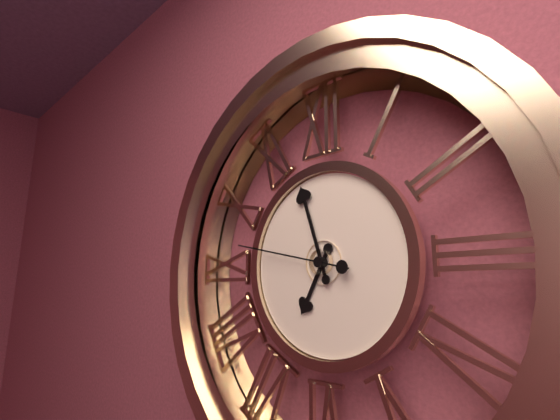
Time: **6:57:47**
